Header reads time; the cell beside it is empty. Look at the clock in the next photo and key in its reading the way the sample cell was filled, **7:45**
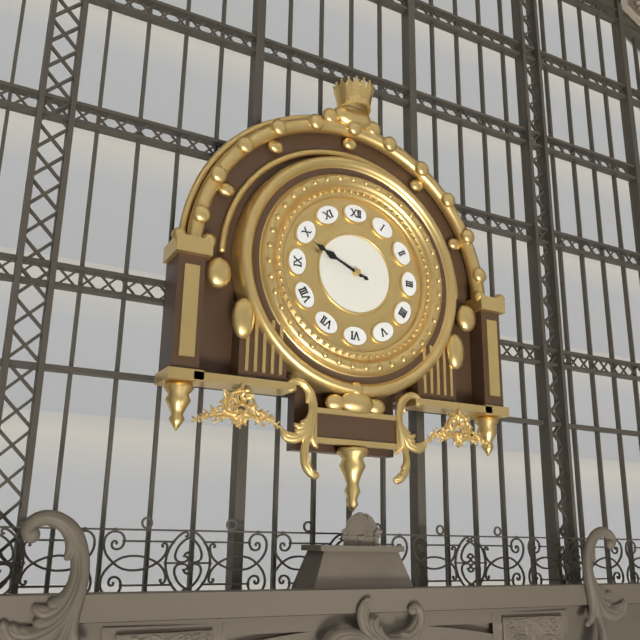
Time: **9:49**
